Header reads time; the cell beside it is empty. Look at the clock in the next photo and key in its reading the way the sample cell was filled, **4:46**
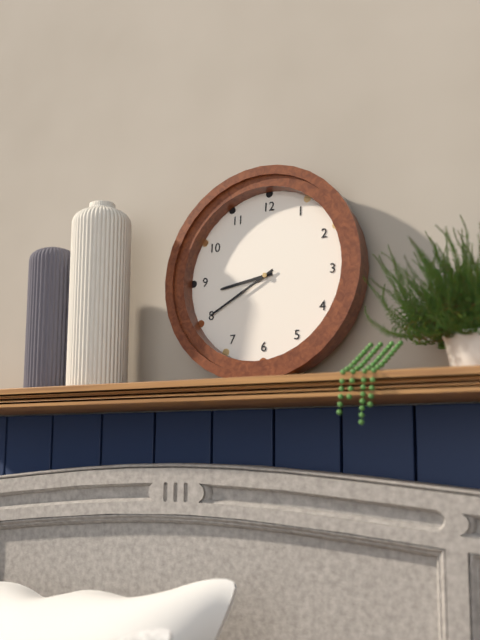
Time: **8:40**
